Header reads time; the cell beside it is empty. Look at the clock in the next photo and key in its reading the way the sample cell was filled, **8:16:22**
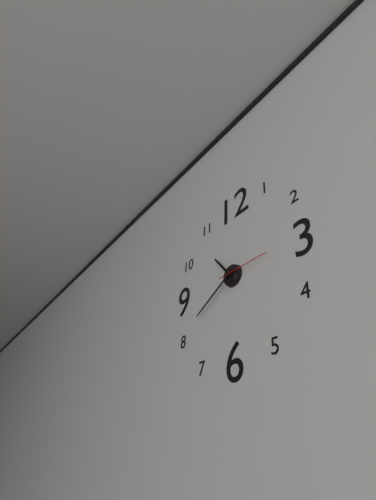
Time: **10:40:15**
